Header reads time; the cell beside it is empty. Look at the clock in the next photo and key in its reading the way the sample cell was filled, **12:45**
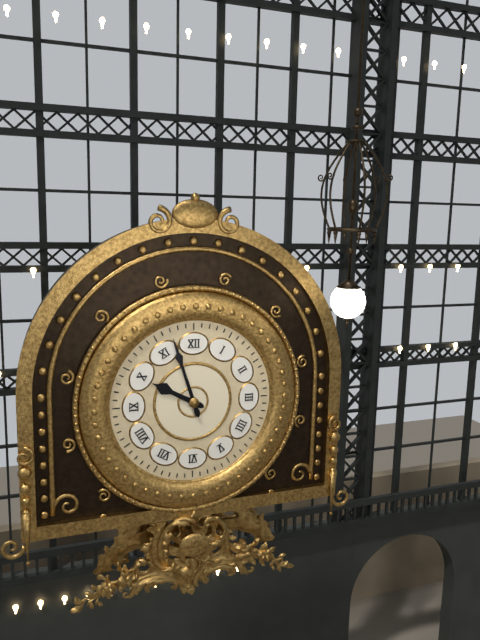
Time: **9:57**
